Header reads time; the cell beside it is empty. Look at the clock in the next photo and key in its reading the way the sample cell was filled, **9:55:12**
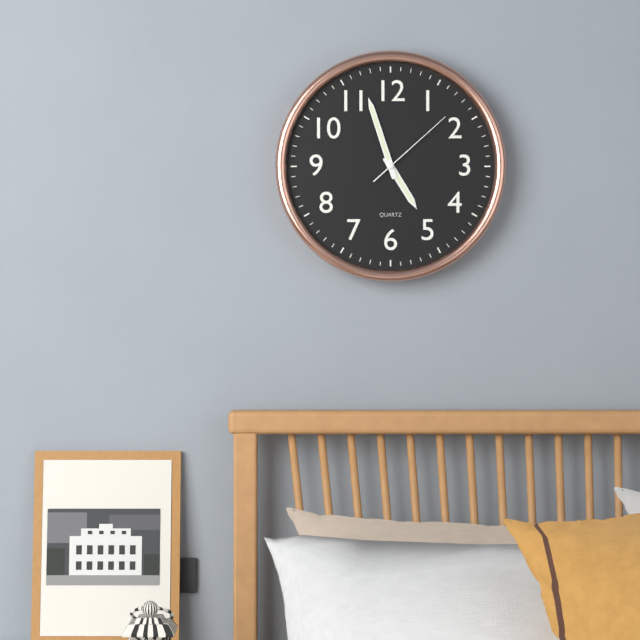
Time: **4:57:08**
